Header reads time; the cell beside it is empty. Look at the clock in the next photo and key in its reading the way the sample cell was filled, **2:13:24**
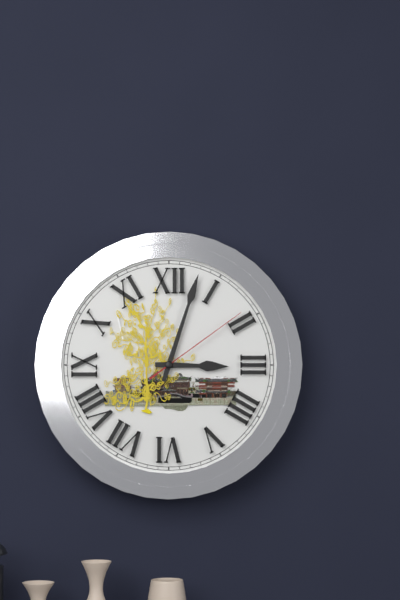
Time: **3:03:09**
